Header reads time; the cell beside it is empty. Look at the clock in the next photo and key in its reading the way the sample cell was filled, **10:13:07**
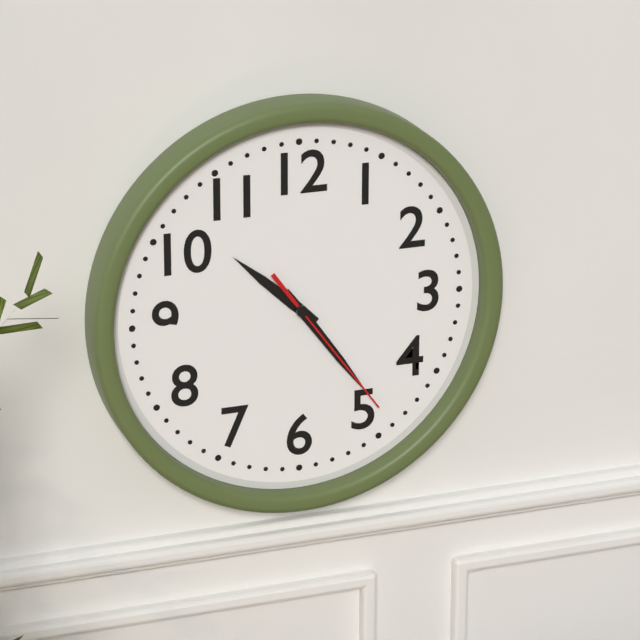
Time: **10:24:24**
